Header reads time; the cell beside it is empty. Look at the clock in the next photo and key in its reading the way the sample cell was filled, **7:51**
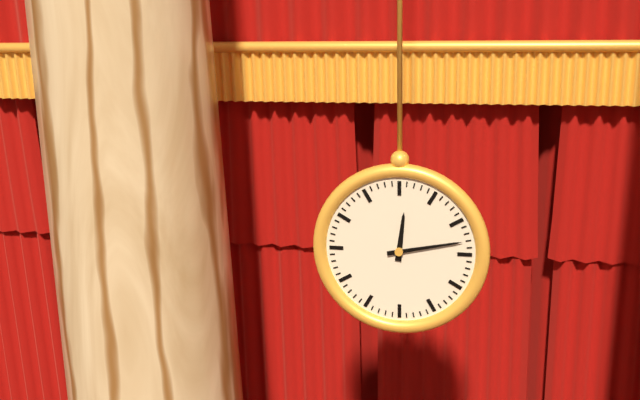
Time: **12:13**
